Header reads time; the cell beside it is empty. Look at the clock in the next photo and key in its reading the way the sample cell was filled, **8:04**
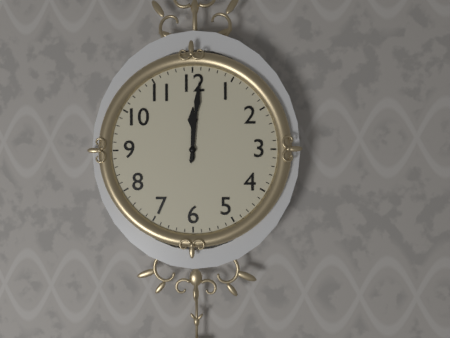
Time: **12:01**
